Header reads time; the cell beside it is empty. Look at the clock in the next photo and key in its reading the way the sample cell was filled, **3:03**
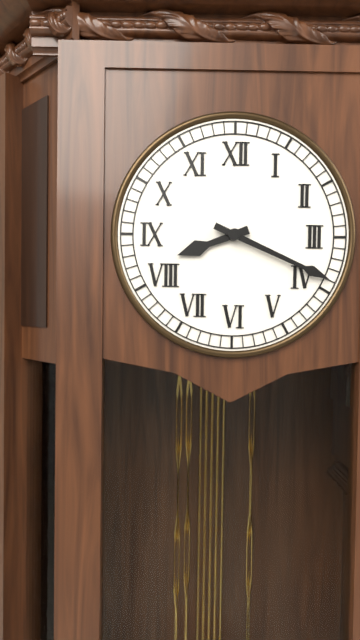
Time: **8:19**
